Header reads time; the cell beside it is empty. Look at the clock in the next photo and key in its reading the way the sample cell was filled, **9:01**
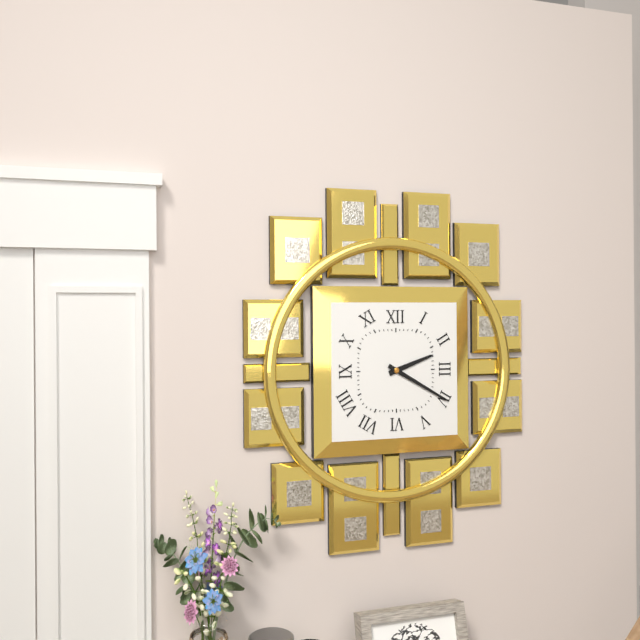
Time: **2:20**
